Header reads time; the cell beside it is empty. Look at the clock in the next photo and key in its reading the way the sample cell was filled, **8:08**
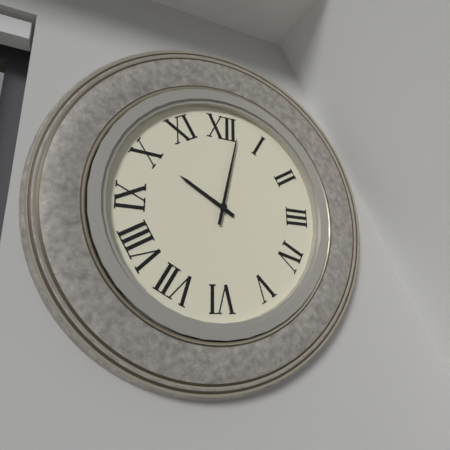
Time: **10:02**
